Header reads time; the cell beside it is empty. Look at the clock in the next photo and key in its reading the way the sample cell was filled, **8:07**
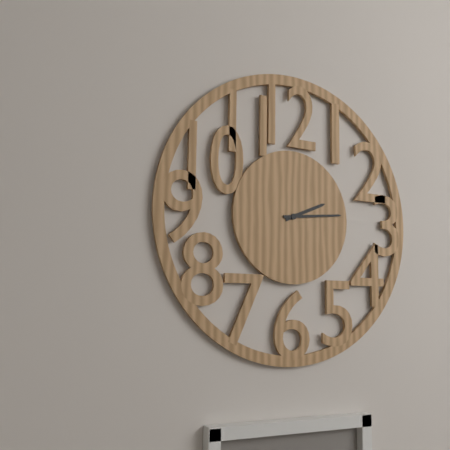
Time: **2:14**
